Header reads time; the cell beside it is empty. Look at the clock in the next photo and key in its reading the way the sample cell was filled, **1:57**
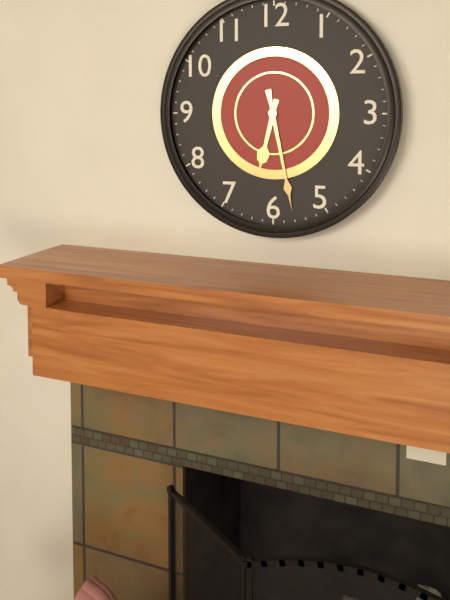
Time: **6:28**
